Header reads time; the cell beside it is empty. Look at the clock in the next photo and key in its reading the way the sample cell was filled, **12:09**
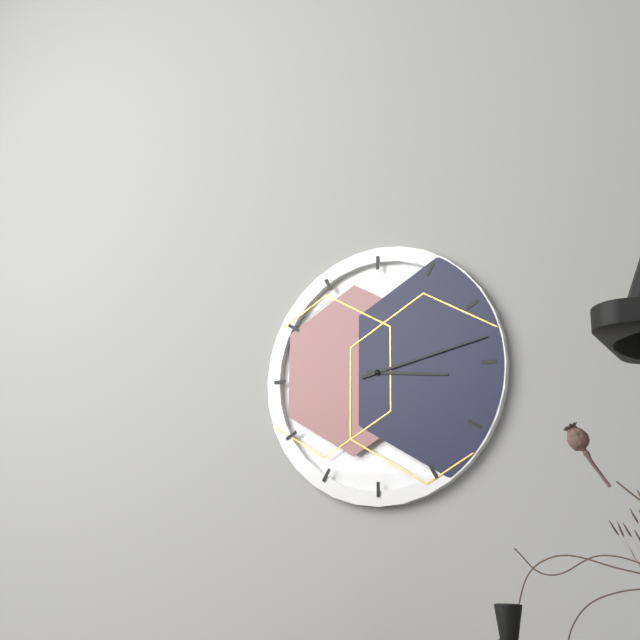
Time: **3:13**
